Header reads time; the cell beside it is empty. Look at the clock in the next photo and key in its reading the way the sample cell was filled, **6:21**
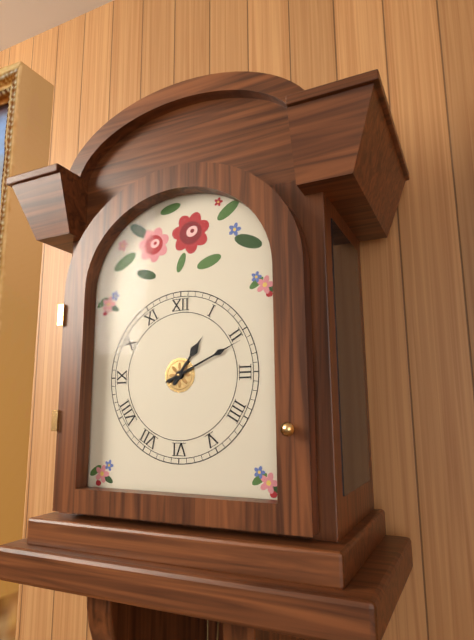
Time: **1:11**
